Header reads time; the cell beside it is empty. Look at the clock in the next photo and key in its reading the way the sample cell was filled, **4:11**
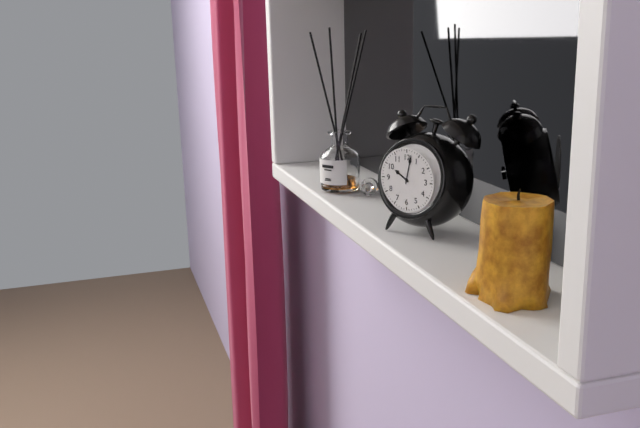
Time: **10:02**
